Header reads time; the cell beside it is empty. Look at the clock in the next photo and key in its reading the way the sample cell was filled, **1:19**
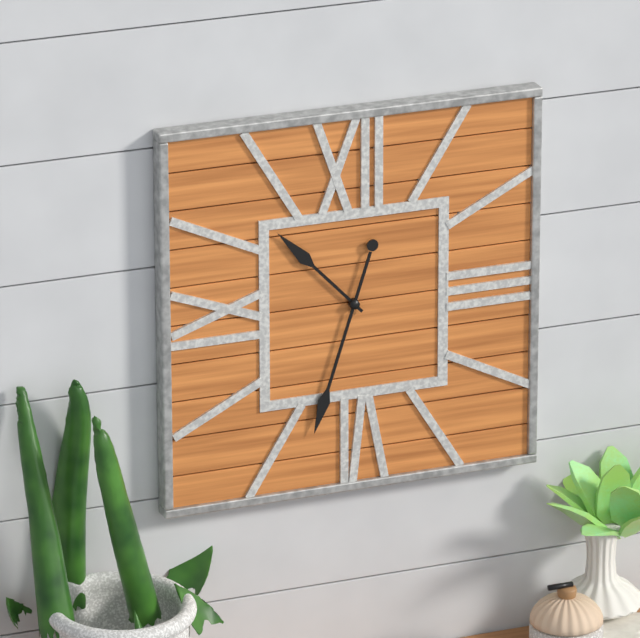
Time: **10:33**
